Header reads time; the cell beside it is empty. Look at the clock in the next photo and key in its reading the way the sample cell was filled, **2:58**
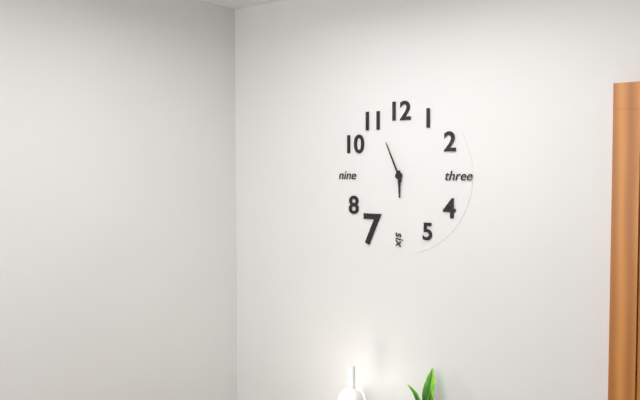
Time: **5:56**
